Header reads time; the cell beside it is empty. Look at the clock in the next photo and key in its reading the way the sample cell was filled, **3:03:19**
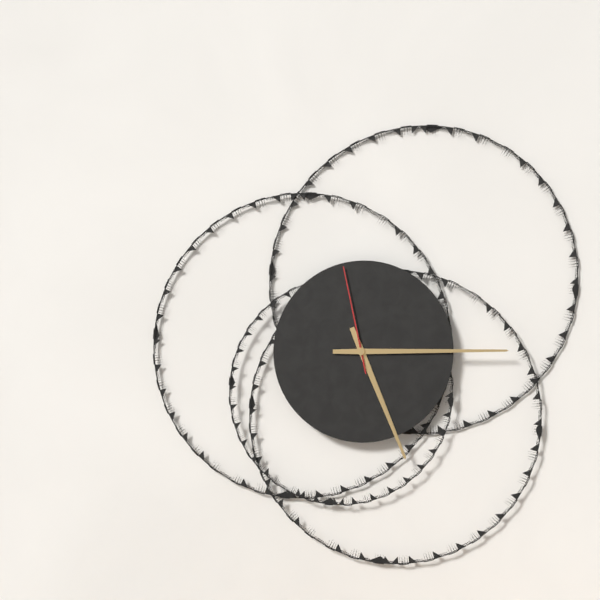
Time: **5:15:58**
